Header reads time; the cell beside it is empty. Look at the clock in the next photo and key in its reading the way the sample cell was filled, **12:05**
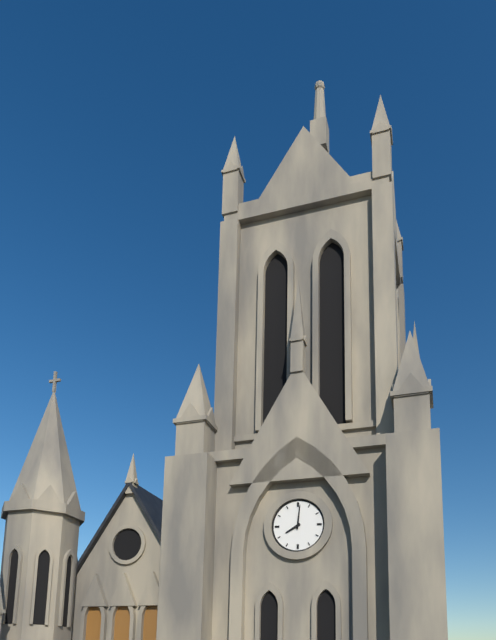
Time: **8:01**
